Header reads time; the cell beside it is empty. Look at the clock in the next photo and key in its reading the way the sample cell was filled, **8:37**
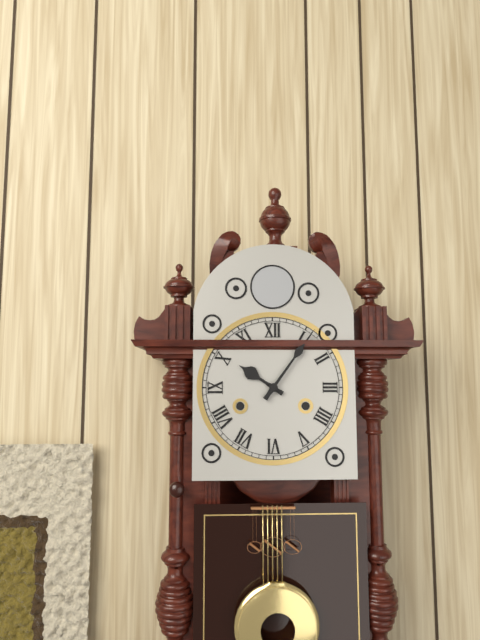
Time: **10:06**
